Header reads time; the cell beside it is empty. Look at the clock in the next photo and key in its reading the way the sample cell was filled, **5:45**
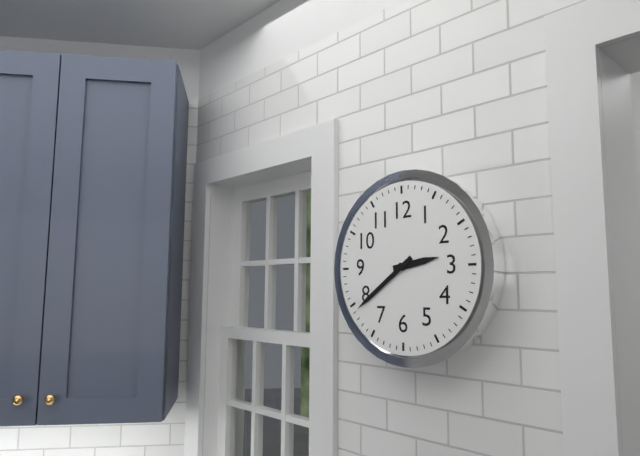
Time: **2:39**
